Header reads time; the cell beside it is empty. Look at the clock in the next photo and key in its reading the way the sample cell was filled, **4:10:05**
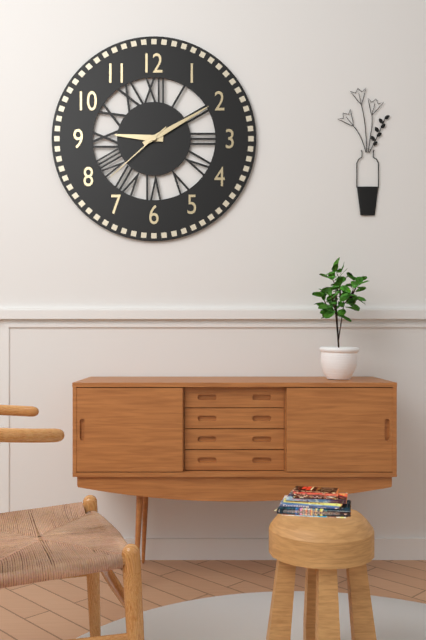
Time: **9:10:38**
